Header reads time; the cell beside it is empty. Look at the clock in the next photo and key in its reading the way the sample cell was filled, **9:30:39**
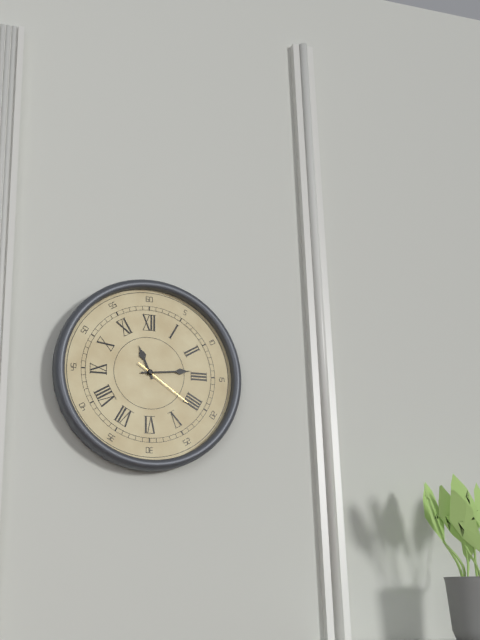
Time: **11:14:21**
